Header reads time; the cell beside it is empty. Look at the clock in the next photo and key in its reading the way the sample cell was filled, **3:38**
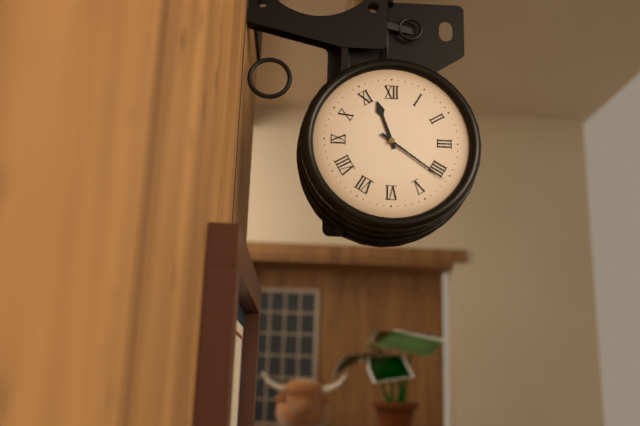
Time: **11:21**
